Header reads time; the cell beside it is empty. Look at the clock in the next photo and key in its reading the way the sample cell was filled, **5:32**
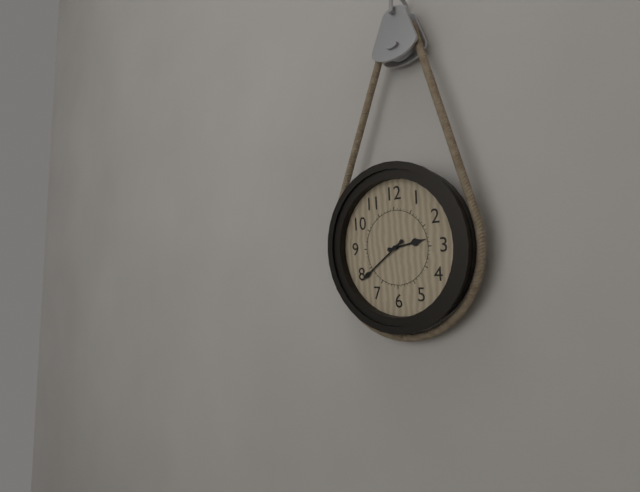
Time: **2:39**
